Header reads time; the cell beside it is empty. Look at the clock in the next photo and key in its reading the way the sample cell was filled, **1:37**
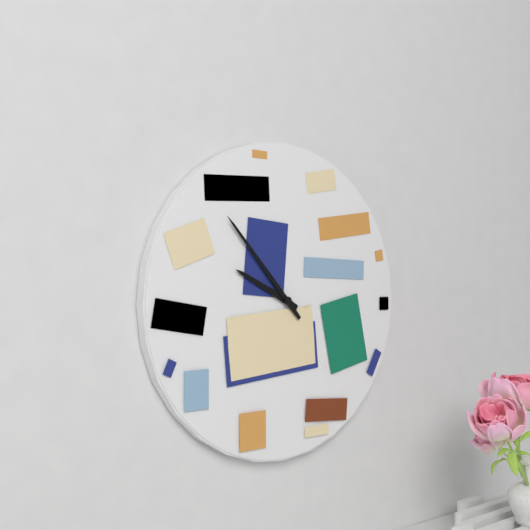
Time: **9:53**
